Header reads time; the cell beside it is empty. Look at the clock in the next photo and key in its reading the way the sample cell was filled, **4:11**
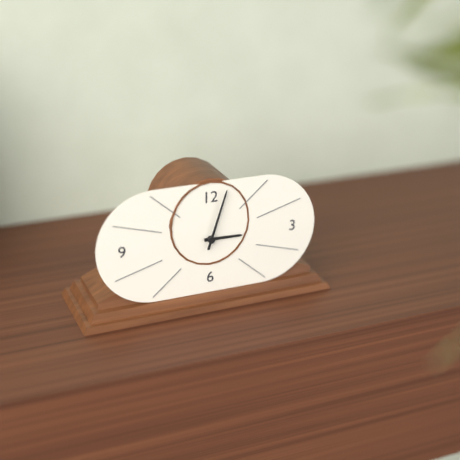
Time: **3:03**
